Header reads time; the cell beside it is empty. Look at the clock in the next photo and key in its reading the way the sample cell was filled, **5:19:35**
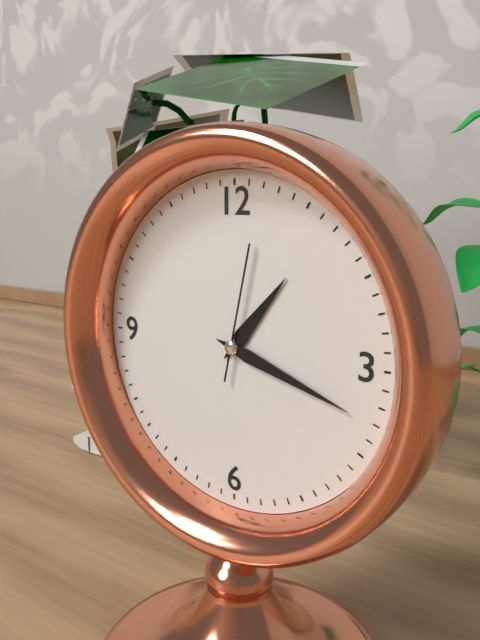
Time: **1:18:02**
